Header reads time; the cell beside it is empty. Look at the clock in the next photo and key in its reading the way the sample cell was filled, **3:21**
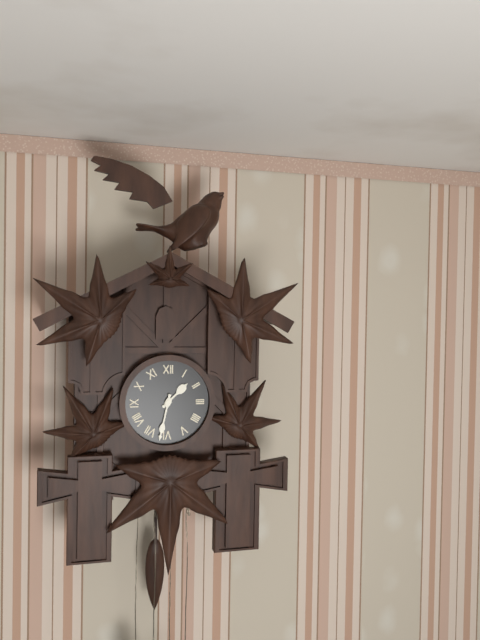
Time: **1:32**
